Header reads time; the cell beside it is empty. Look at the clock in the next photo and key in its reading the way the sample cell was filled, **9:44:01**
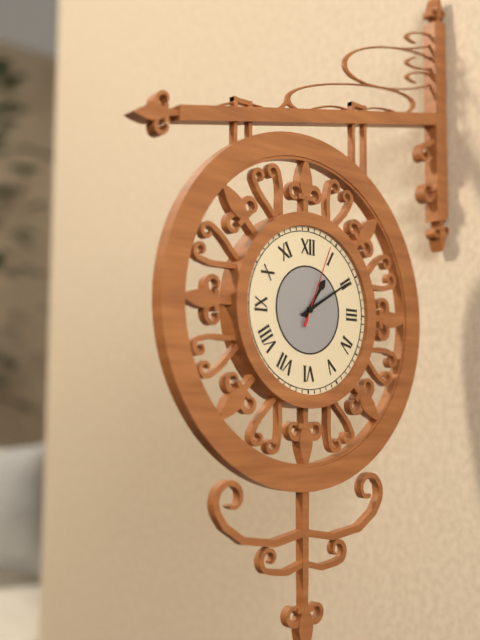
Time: **1:10:04**
